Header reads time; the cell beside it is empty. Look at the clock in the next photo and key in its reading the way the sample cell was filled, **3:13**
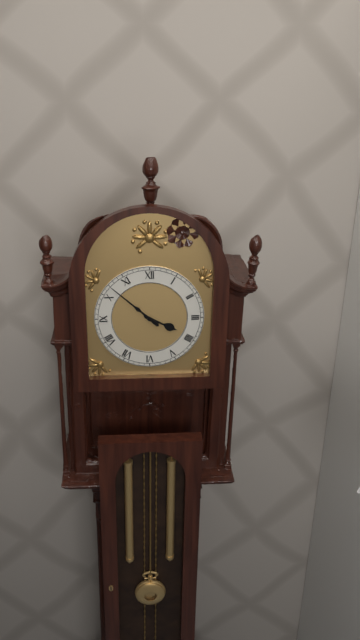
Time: **3:52**
